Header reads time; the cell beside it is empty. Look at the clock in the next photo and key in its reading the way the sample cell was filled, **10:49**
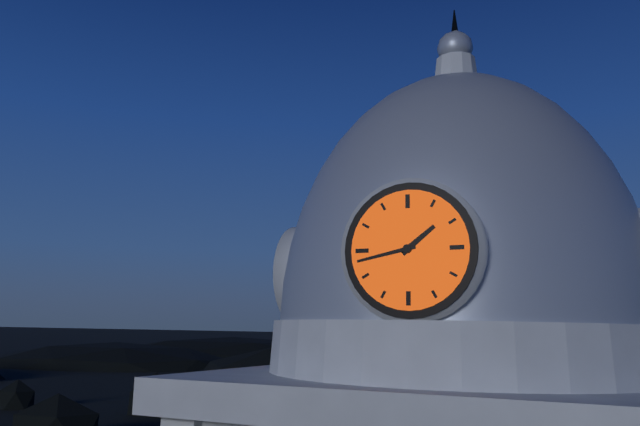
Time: **1:43**
